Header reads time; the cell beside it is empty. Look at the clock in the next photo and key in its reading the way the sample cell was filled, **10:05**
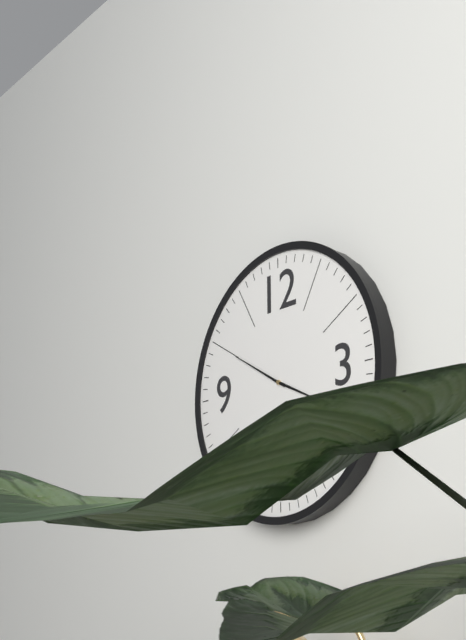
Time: **3:50**
